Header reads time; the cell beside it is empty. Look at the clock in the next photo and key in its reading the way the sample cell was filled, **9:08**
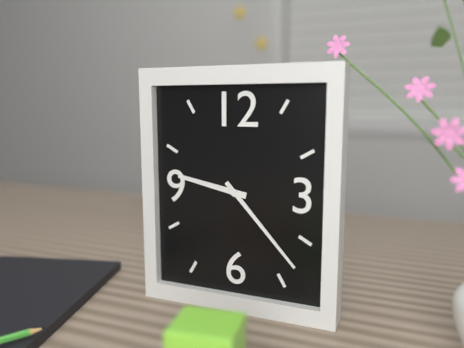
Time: **9:23**
